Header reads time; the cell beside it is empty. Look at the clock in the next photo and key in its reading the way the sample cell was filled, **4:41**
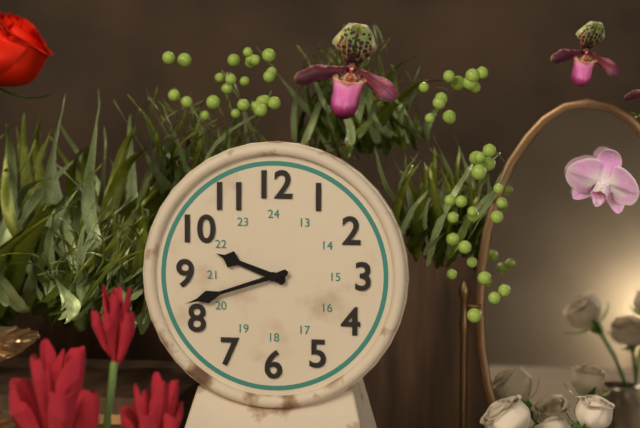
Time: **9:42**
